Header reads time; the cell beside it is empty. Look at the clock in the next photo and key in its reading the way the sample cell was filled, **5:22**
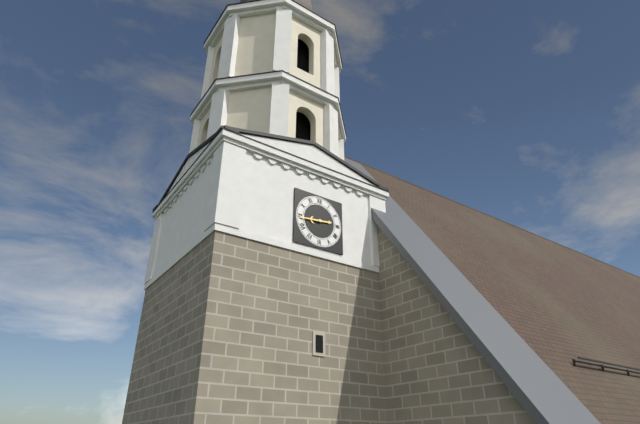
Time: **2:44**
